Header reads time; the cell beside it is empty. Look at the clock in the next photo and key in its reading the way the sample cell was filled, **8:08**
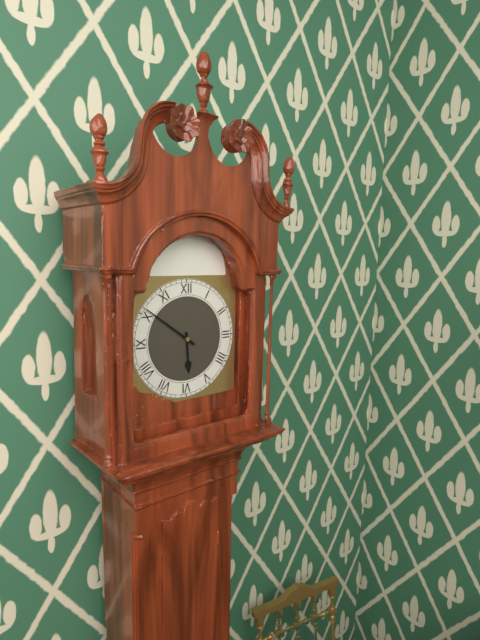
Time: **5:51**
